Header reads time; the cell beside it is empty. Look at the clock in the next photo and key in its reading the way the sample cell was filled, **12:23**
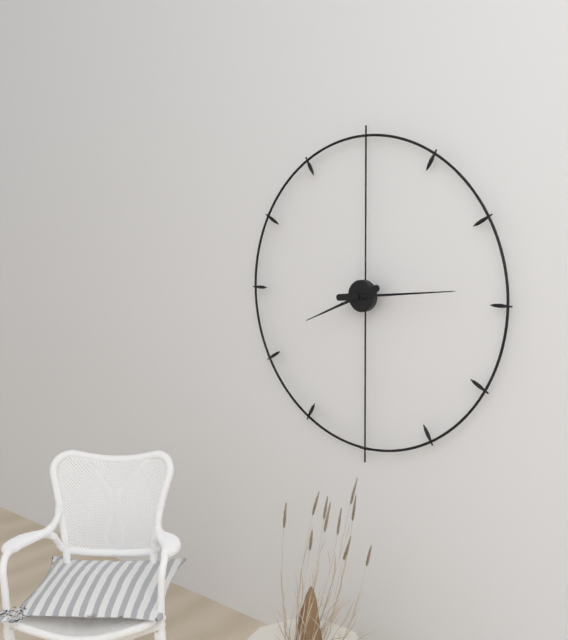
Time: **8:14**
